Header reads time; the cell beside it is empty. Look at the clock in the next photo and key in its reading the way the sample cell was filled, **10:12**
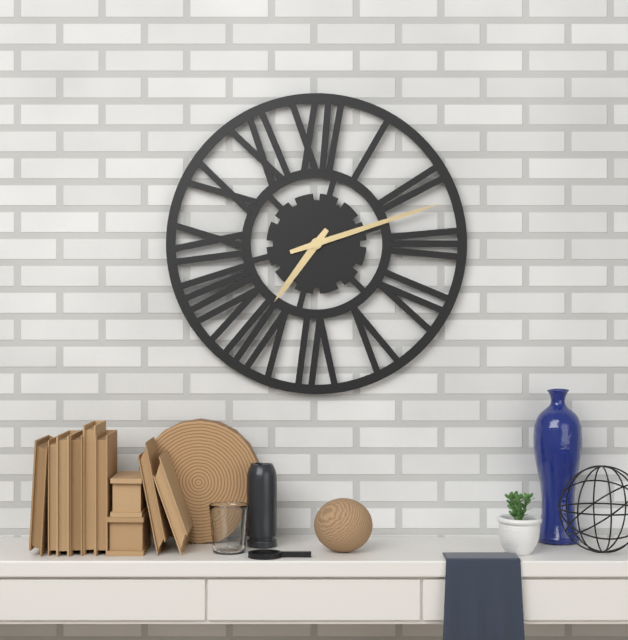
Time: **7:12**
